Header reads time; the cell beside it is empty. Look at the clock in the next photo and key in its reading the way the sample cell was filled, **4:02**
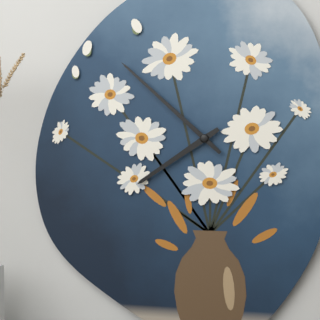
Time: **7:52**
